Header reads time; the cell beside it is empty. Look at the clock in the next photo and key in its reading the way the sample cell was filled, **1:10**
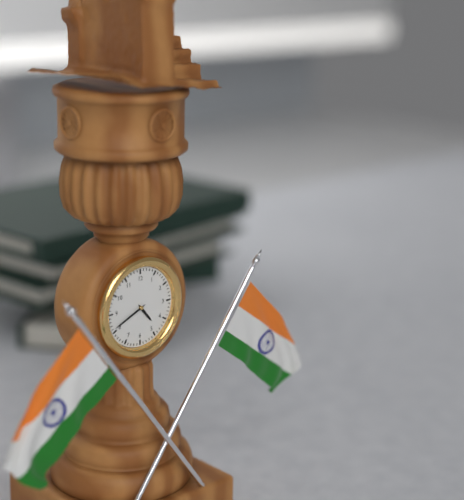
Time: **4:41**
